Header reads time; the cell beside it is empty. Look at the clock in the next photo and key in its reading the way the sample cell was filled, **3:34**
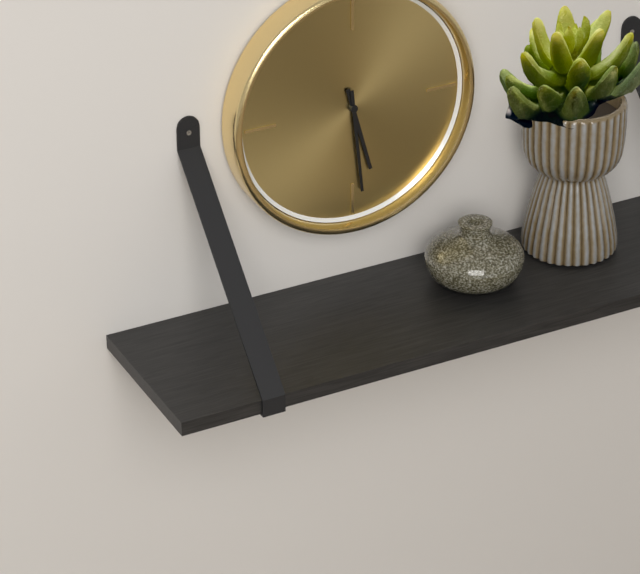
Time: **5:29**
